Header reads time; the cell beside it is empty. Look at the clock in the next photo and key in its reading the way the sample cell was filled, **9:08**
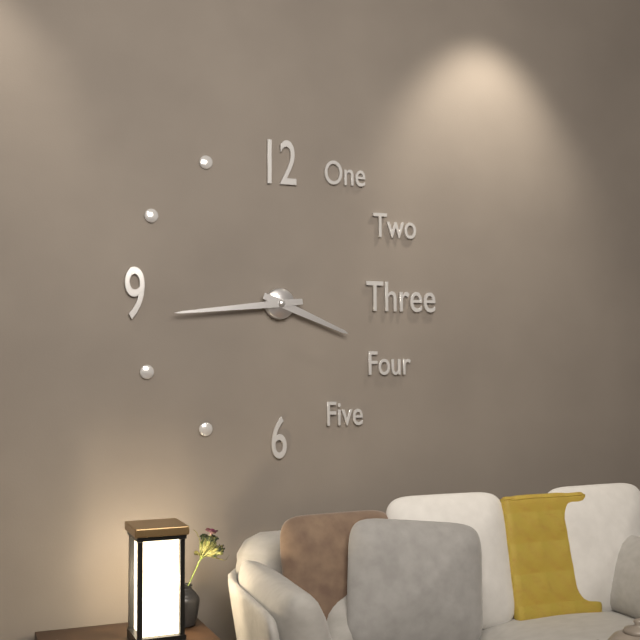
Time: **3:44**
